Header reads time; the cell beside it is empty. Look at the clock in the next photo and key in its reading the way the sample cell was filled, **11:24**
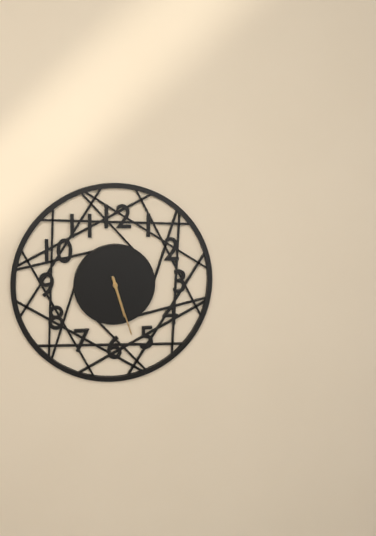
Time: **5:27**
